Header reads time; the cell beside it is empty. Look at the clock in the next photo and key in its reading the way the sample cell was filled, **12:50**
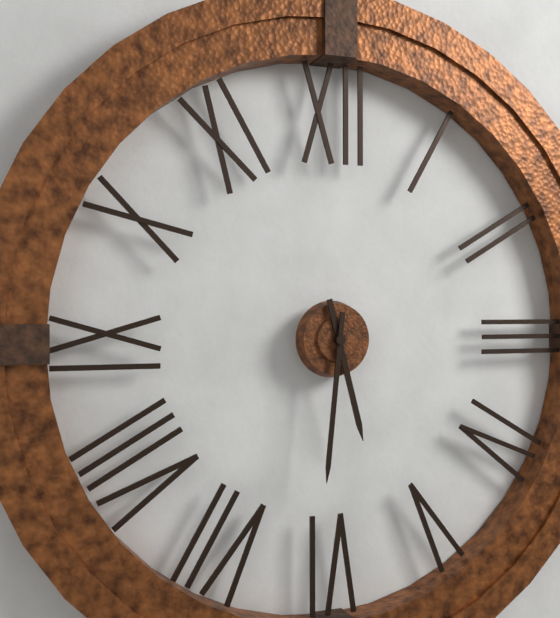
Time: **5:31**
